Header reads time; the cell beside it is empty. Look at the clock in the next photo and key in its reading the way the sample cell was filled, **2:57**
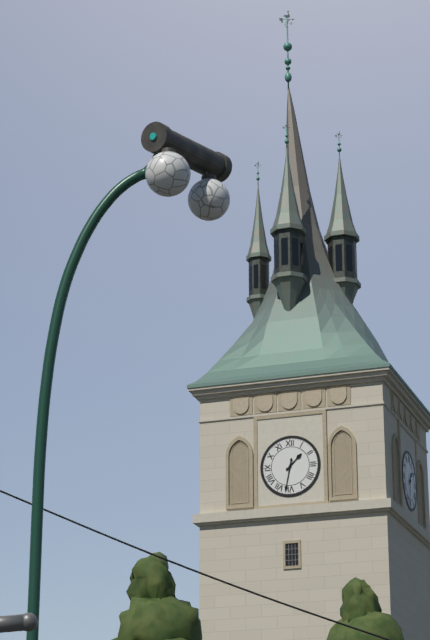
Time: **1:32**
